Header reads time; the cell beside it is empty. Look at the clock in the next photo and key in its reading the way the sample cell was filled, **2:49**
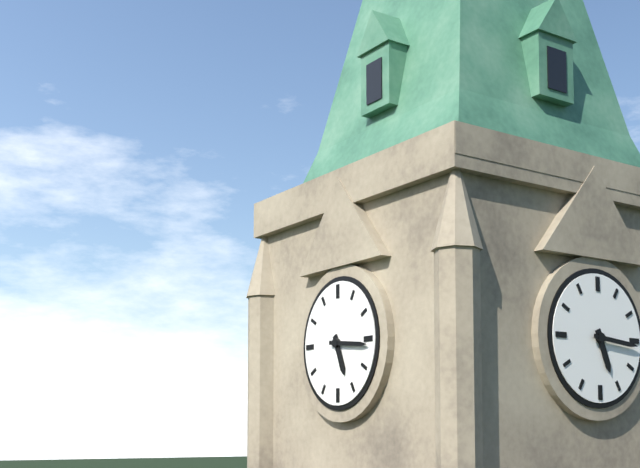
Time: **5:16**
